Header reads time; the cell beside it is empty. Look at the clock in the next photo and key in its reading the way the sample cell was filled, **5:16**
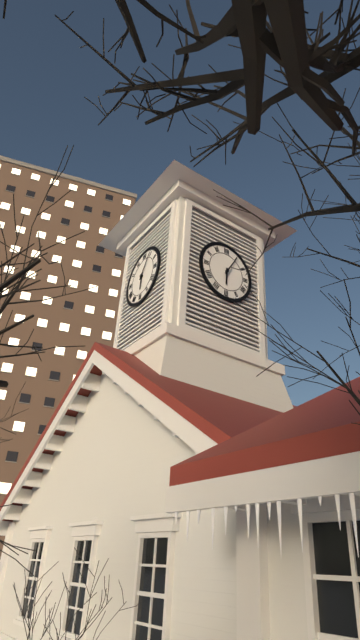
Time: **6:05**
